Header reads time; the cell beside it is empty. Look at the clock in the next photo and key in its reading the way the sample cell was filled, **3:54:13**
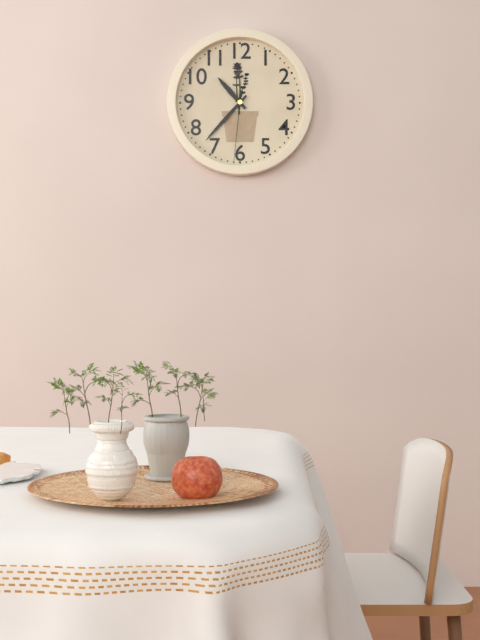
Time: **10:37:31**
